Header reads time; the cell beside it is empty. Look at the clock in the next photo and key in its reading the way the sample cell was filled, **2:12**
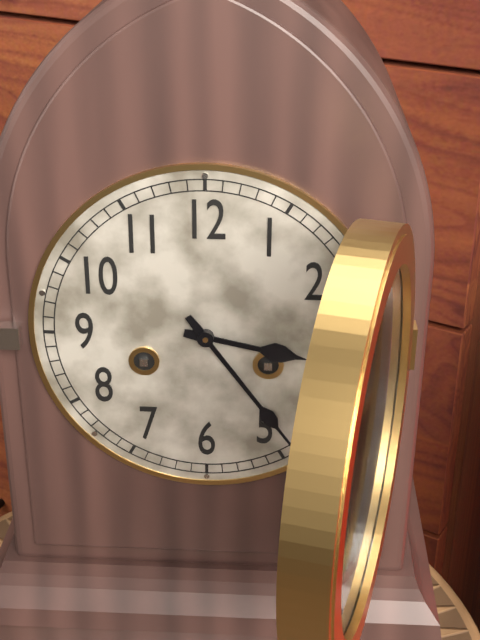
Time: **3:24**
